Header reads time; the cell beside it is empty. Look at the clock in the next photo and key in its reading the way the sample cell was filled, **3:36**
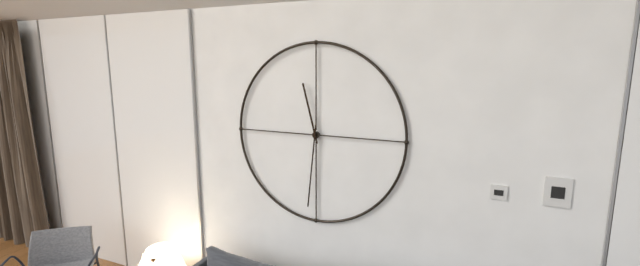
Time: **11:31**
